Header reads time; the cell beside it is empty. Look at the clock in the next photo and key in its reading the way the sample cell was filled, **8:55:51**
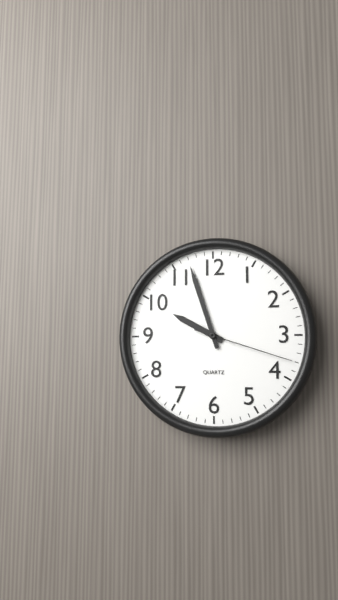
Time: **9:57:18**
